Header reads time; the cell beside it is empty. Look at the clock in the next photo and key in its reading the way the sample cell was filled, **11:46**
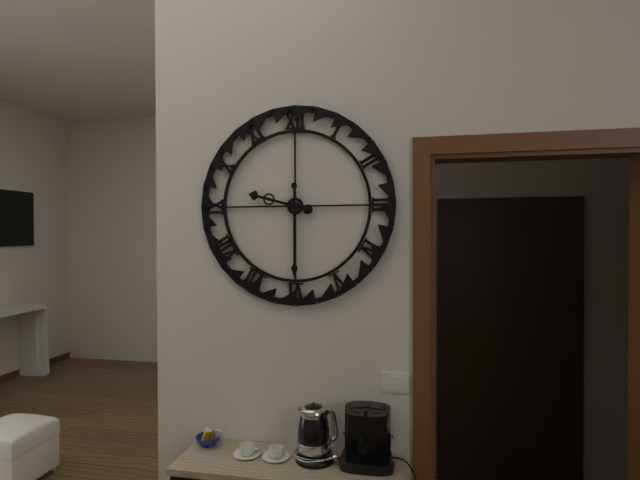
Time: **9:30**
